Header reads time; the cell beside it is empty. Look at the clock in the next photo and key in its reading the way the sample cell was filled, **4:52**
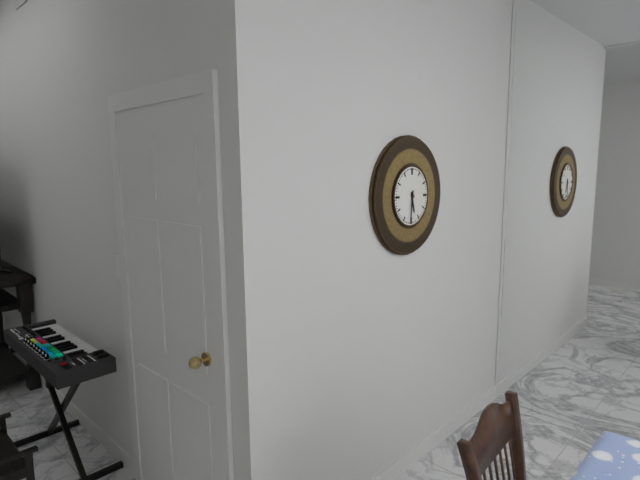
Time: **5:31**
